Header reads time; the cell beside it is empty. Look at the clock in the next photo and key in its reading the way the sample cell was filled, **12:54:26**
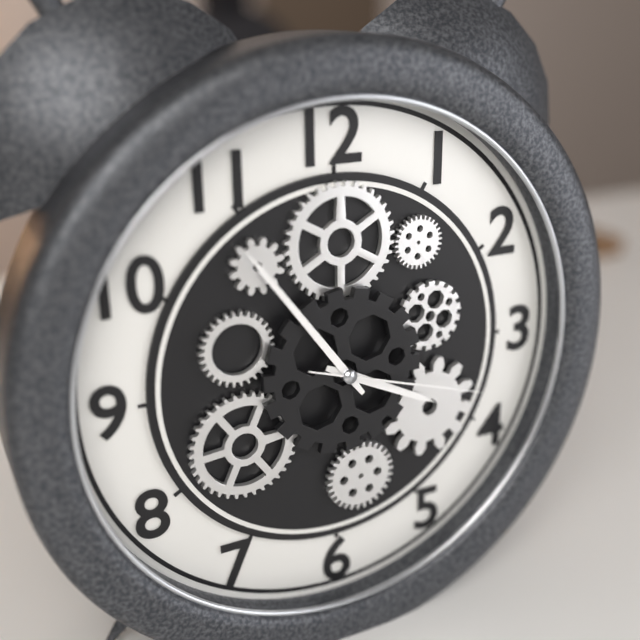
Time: **3:54:18**
